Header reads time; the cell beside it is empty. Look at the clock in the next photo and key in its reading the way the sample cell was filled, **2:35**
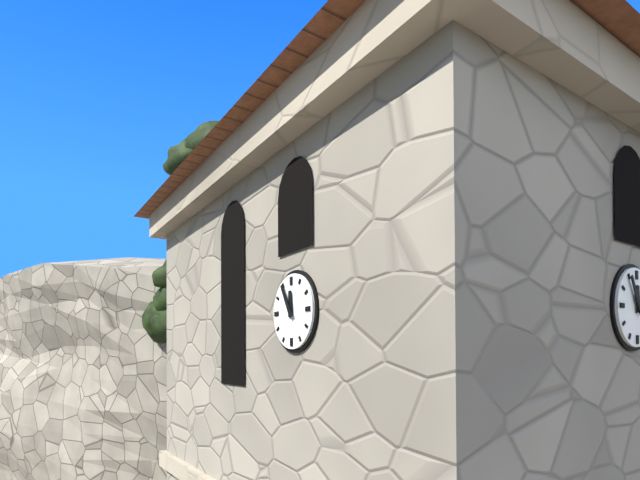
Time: **11:55**
